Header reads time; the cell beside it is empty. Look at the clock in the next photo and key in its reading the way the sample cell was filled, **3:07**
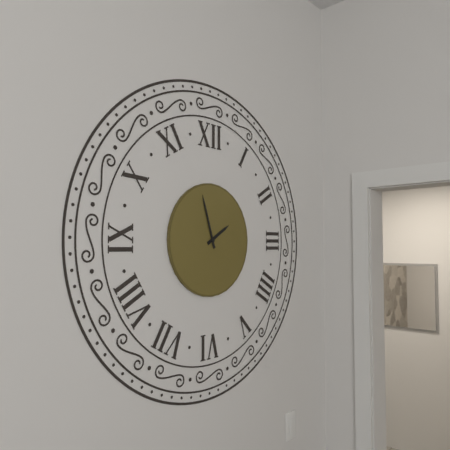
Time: **1:57**
